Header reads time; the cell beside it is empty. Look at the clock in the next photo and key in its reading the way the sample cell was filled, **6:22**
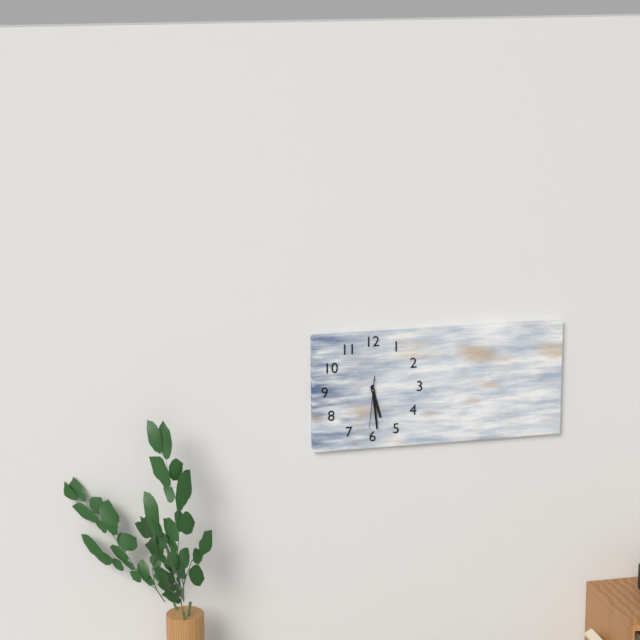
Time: **5:29**
